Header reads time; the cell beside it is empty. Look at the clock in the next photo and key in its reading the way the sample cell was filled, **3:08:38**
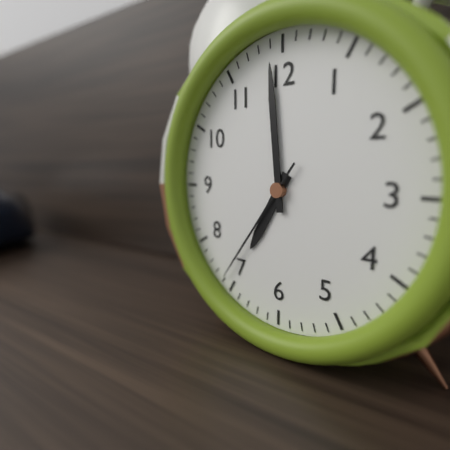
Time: **6:59:36**
